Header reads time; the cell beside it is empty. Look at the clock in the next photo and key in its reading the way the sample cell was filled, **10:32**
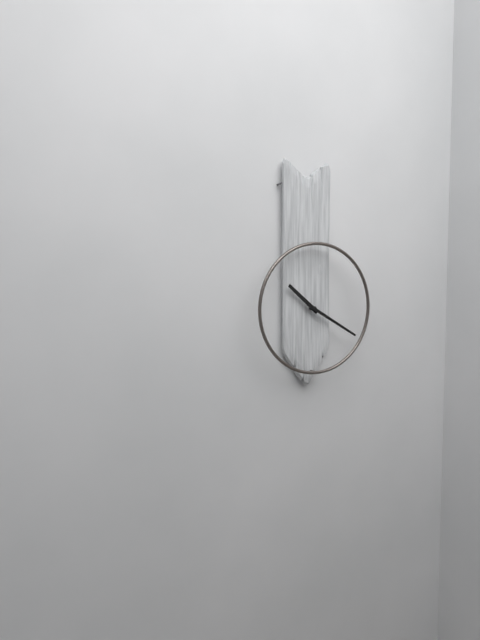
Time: **10:20**
